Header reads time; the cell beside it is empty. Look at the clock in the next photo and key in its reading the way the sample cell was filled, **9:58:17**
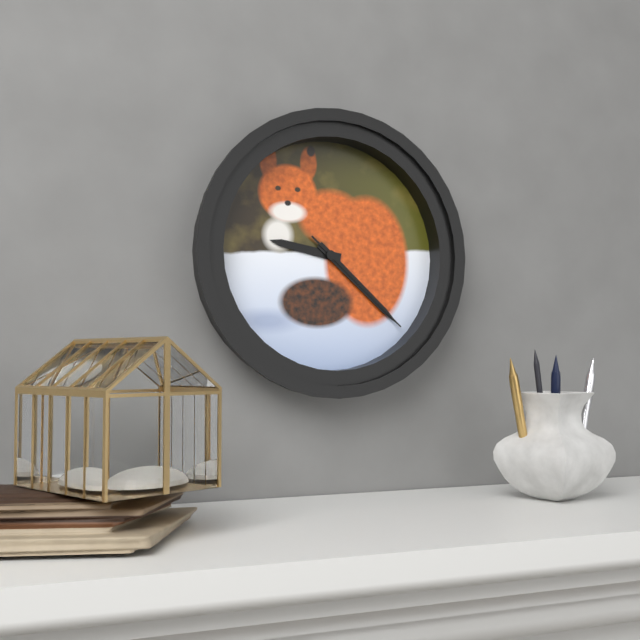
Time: **9:22:22**
